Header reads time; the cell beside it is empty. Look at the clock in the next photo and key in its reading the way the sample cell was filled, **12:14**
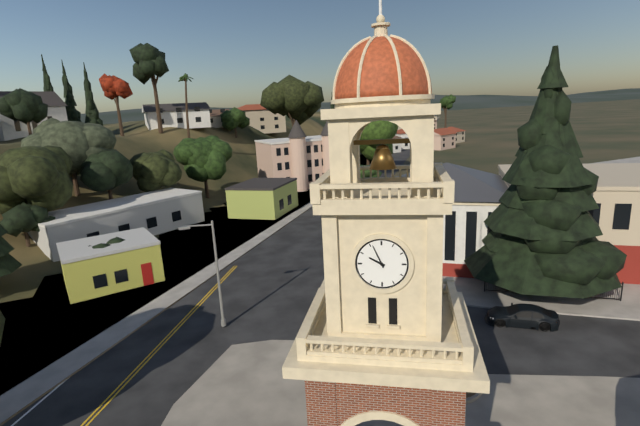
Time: **9:56**
